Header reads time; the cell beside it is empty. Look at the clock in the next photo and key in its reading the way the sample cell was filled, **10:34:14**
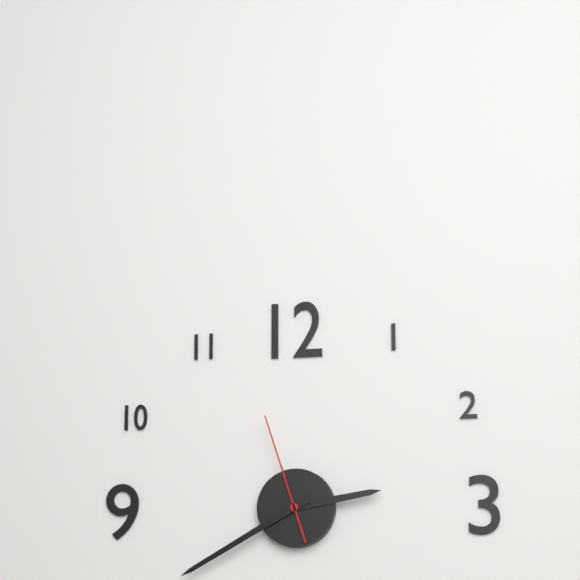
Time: **2:40:57**
